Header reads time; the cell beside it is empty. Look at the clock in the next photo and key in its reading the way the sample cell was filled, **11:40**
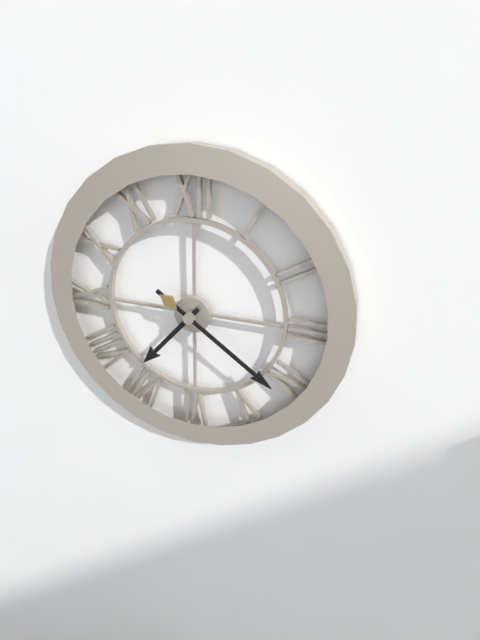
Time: **7:21**
